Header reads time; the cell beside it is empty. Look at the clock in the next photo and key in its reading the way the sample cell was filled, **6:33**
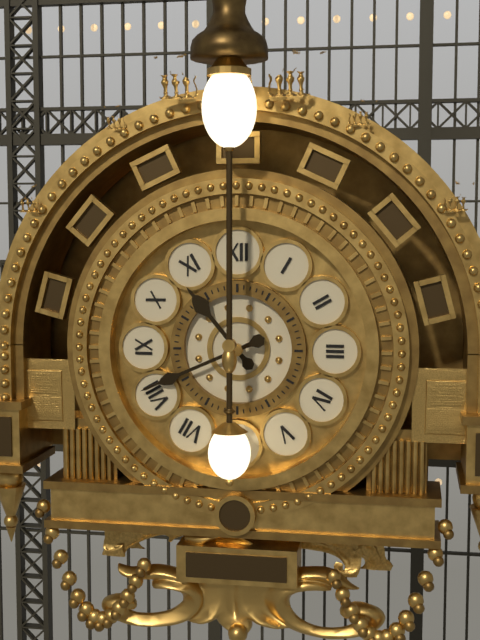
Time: **10:41**
